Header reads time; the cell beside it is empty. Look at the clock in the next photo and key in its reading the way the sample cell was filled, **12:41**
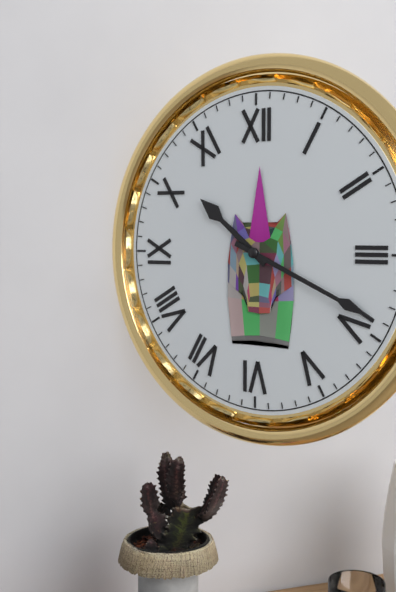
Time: **10:19**
